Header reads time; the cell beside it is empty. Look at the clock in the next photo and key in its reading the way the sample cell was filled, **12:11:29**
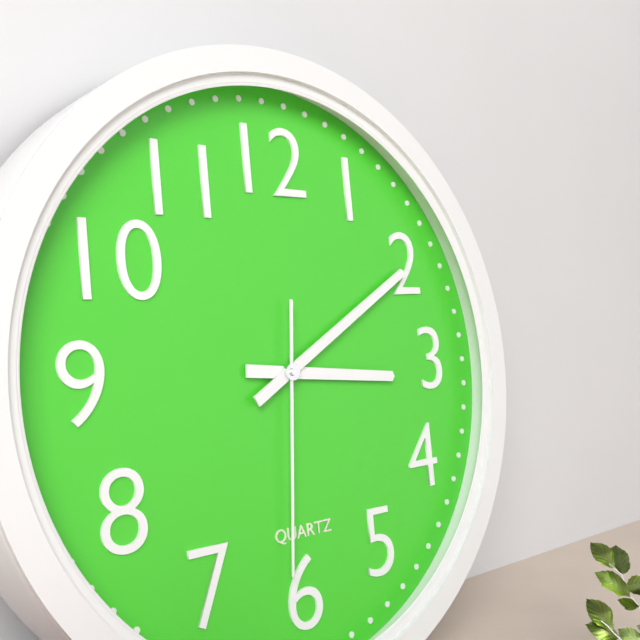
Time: **3:10:31**
